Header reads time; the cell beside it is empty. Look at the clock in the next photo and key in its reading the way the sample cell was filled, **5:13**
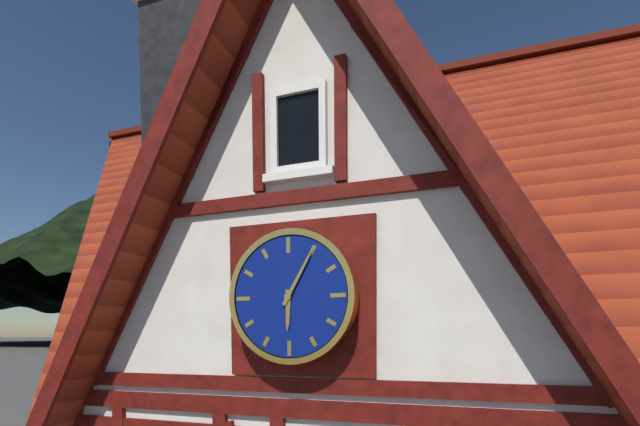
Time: **6:05**
